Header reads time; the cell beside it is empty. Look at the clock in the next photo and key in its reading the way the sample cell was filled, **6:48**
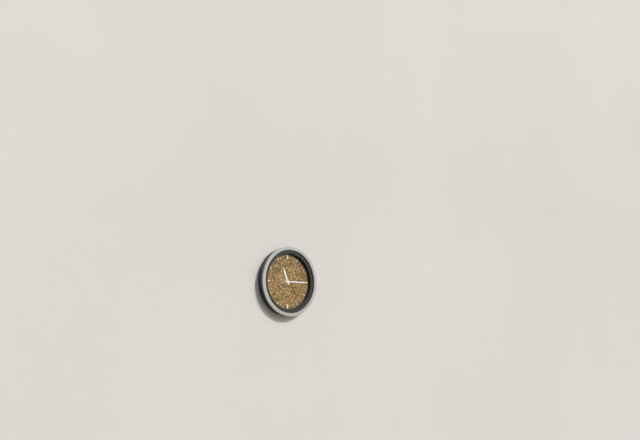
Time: **11:15**
